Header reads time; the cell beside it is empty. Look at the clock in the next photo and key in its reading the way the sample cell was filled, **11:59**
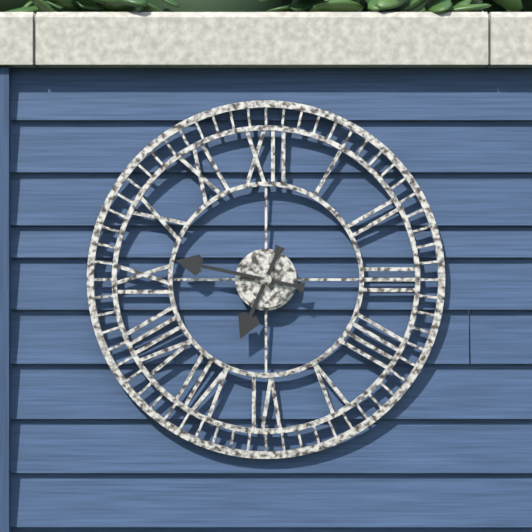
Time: **6:47**
